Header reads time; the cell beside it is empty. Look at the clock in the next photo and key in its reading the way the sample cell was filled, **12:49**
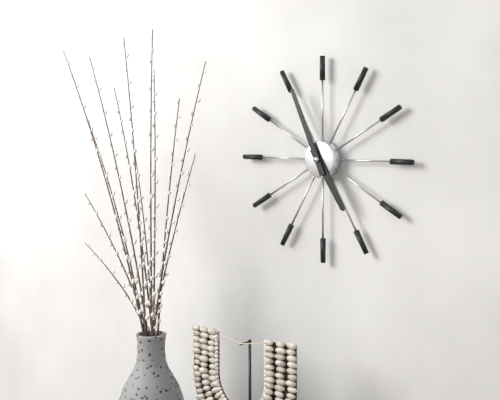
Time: **4:56**
